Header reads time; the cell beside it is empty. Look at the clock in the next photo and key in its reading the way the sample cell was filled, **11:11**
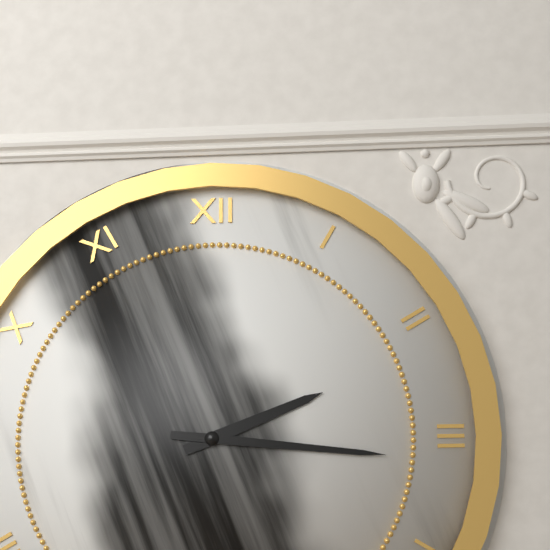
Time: **2:16**
